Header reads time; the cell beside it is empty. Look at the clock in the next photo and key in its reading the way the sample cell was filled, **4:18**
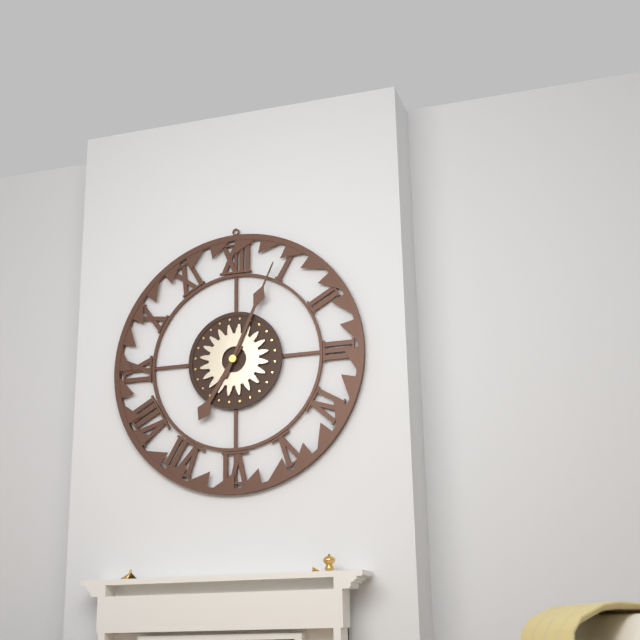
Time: **7:04**
